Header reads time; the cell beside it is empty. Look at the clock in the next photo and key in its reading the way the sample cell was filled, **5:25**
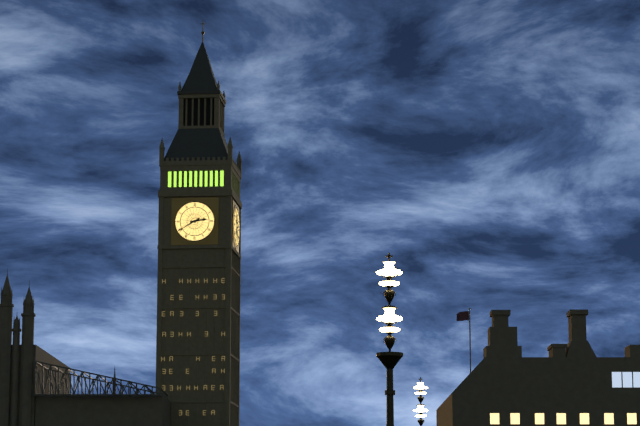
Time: **2:40**
